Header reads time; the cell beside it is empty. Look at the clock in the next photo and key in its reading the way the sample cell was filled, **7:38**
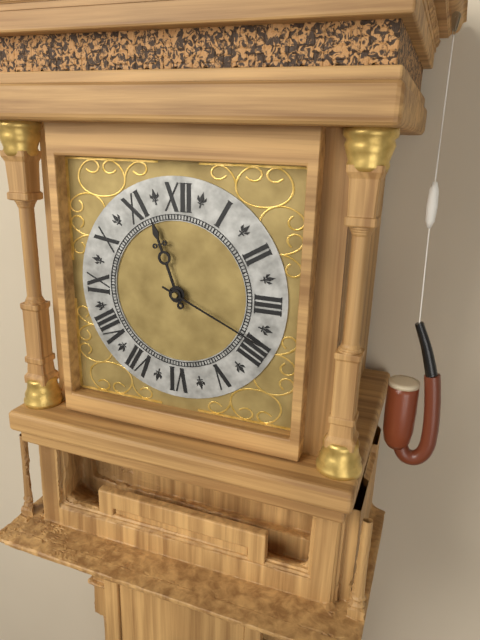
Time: **11:19**
